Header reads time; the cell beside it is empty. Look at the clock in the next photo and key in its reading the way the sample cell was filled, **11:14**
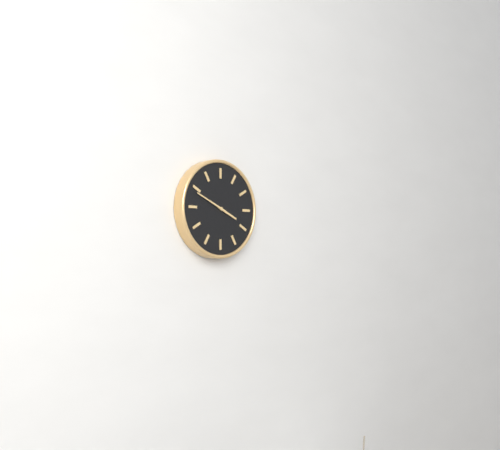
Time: **3:49**
